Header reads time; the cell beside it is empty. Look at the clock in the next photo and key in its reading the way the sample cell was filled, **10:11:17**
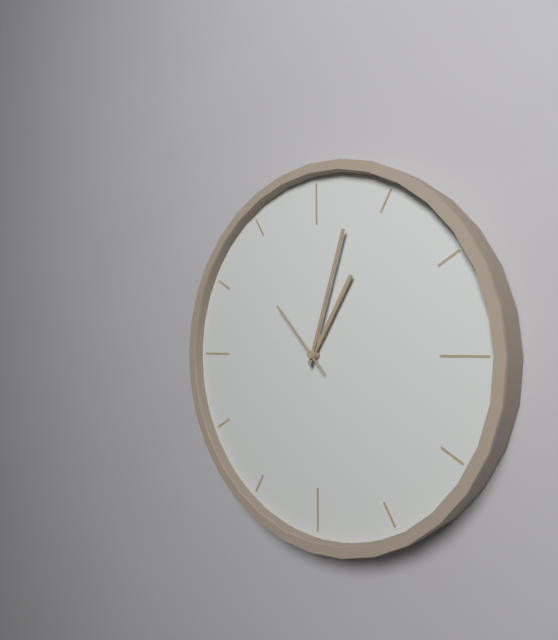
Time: **1:03:53**
